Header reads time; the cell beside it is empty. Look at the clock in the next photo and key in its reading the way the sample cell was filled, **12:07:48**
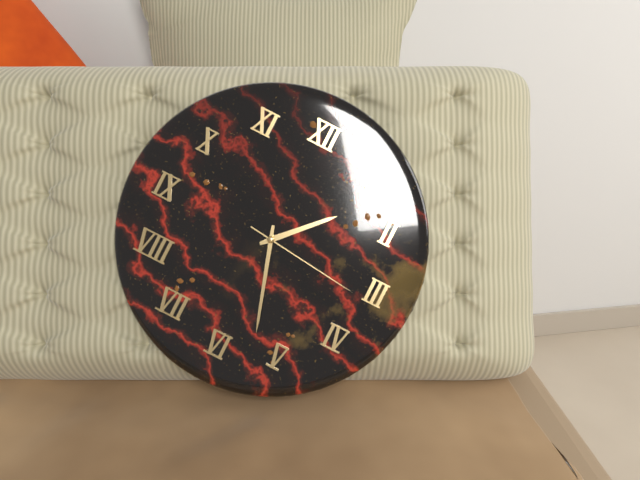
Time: **1:27:16**
